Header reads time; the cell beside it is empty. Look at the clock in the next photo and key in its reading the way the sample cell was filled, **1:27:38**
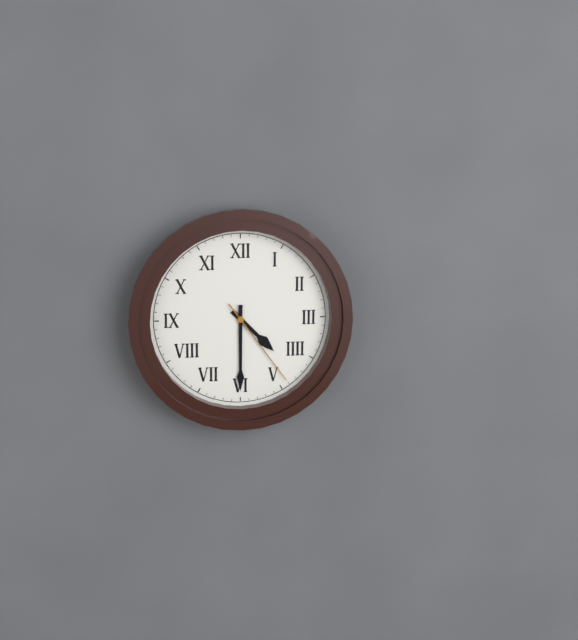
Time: **4:30:24**
